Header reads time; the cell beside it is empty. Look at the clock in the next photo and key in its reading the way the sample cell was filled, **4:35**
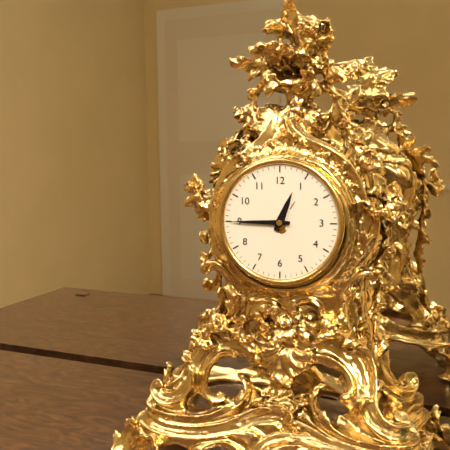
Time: **12:45**
